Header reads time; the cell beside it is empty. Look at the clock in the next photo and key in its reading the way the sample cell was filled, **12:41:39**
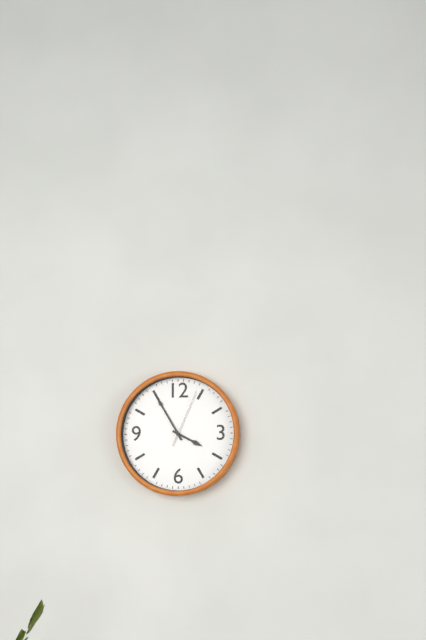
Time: **3:55:04**
